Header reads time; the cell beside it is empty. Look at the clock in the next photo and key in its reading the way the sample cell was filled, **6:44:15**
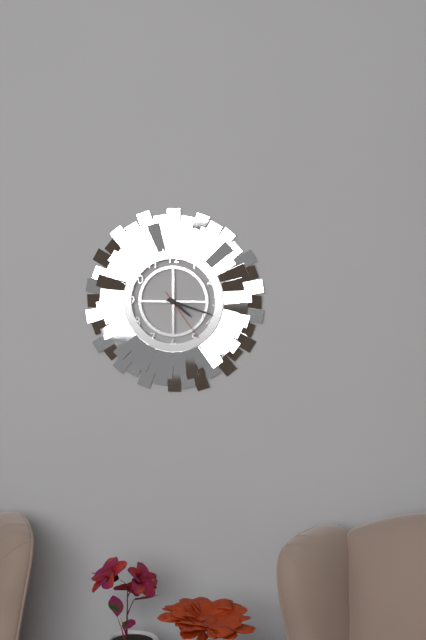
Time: **4:18:24**
